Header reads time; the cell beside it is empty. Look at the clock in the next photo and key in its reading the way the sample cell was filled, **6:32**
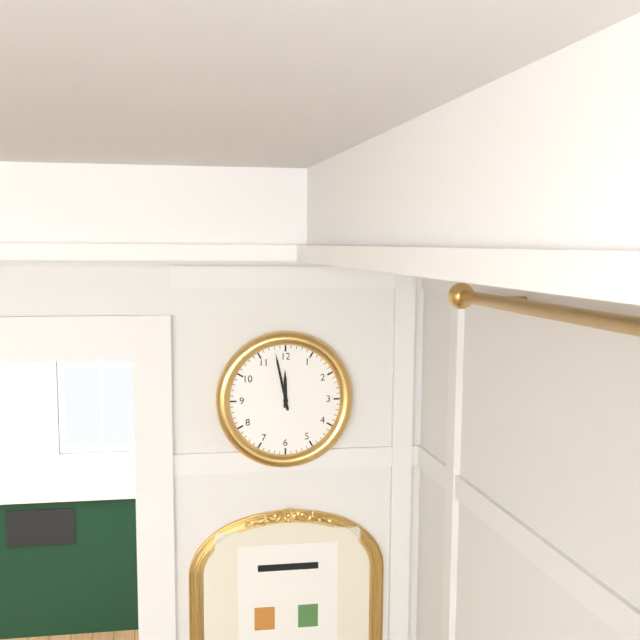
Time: **11:58**
